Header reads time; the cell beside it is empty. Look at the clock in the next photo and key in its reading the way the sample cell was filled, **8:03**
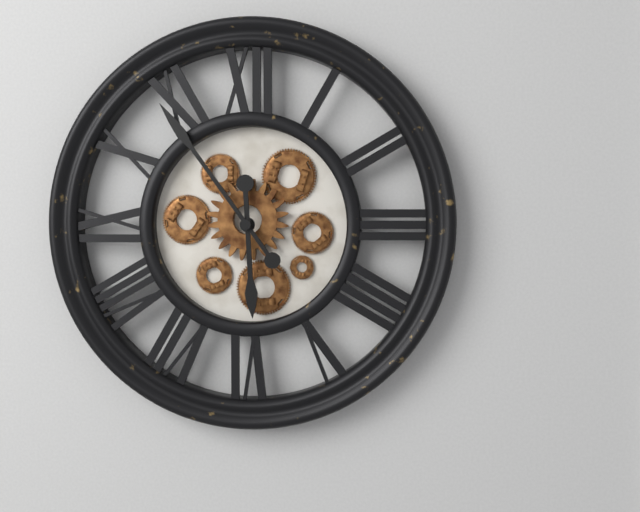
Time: **5:54**
